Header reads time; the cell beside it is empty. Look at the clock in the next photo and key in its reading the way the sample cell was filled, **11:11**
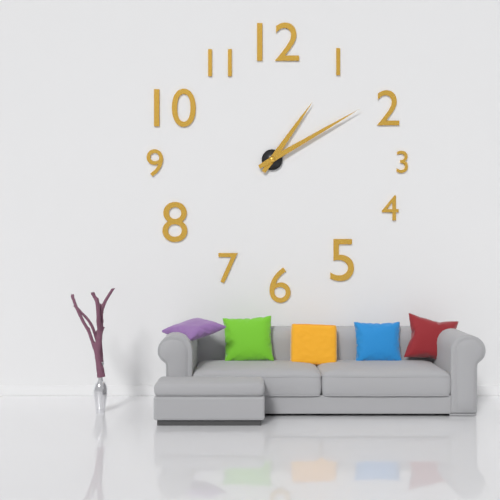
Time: **1:10**
